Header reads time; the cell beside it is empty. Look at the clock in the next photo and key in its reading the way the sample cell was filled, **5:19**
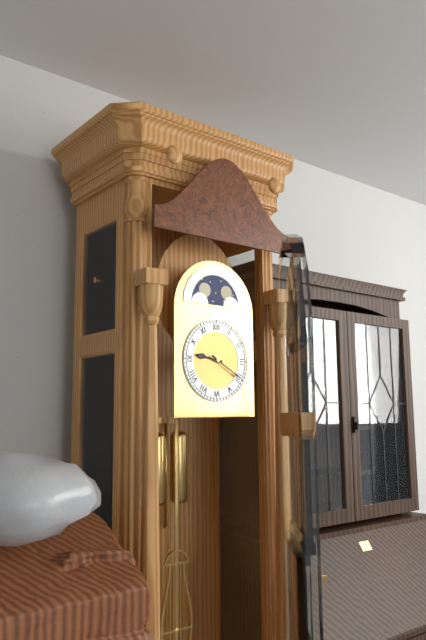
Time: **9:20**
